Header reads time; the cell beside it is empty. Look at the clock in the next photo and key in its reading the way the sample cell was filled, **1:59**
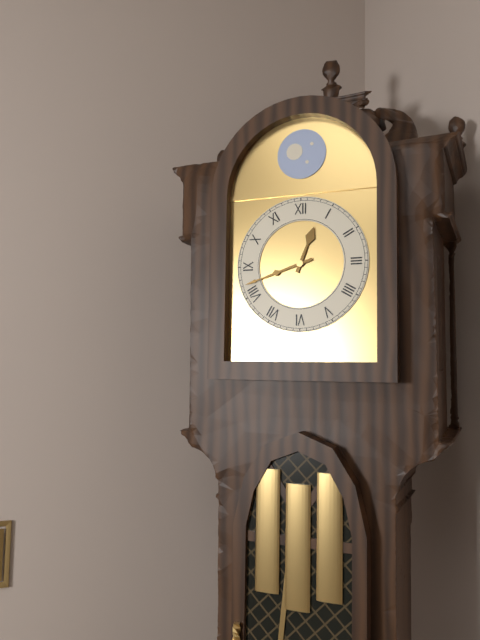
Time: **12:42**
